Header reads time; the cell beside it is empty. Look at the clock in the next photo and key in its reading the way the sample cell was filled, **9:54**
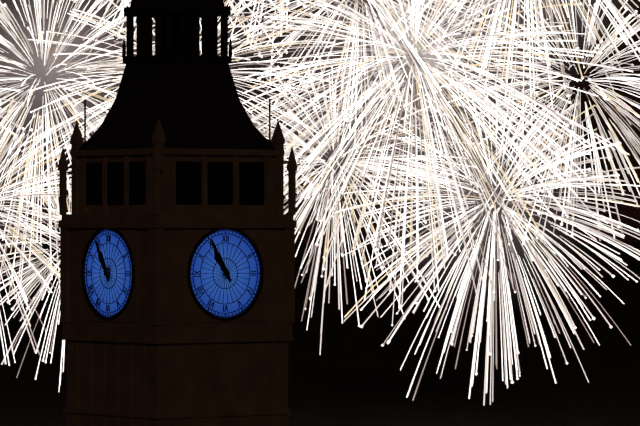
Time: **10:55**
